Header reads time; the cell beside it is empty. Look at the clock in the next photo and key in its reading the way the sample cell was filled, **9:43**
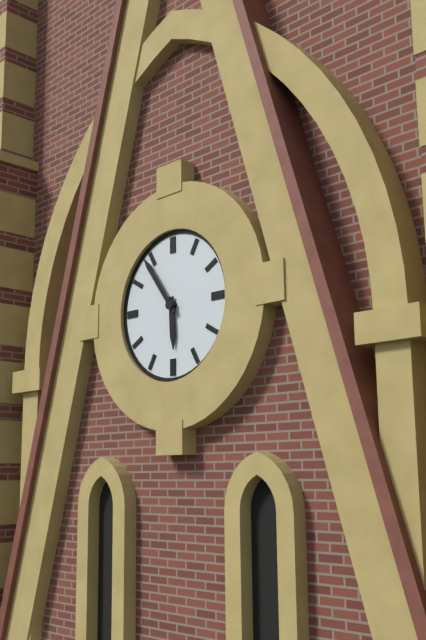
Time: **5:54**
